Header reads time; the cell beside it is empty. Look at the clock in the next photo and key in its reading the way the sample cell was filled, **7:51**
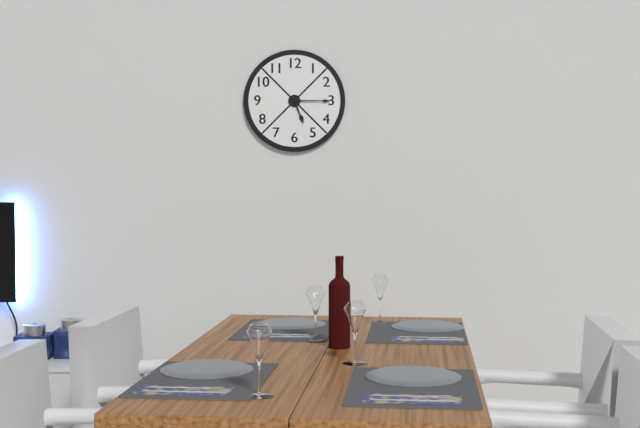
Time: **5:15**
